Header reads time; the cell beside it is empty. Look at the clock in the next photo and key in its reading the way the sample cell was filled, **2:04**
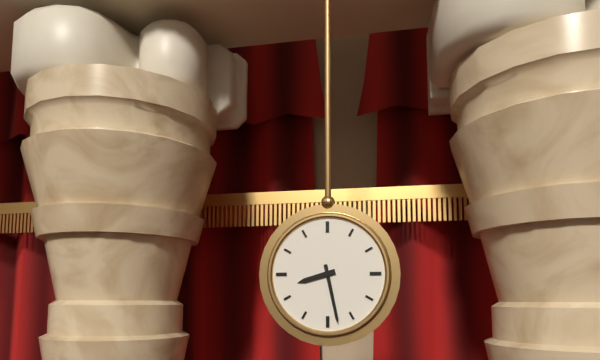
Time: **8:28**
